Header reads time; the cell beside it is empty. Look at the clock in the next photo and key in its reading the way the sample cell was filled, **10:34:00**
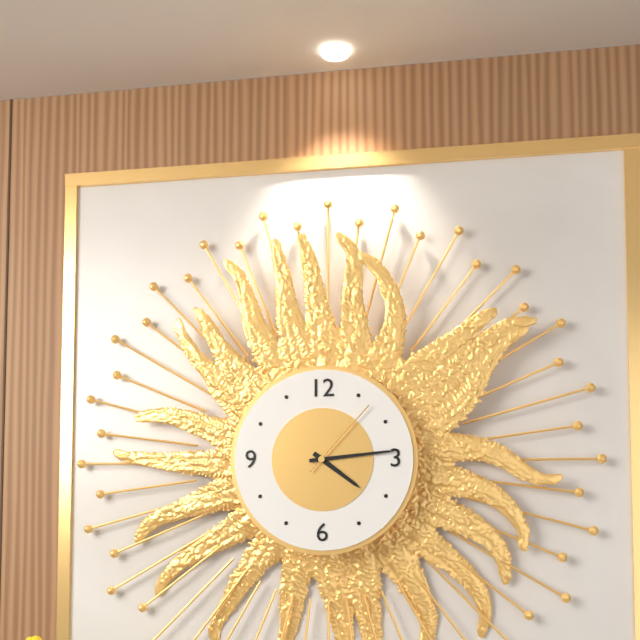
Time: **4:14:07**
